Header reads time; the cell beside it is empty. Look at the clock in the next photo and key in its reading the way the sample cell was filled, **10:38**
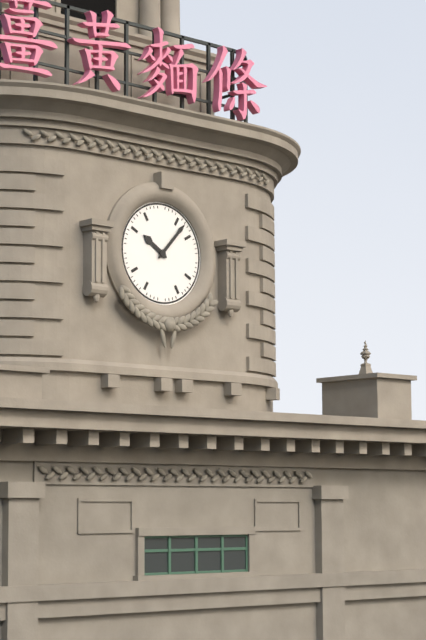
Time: **10:07**
